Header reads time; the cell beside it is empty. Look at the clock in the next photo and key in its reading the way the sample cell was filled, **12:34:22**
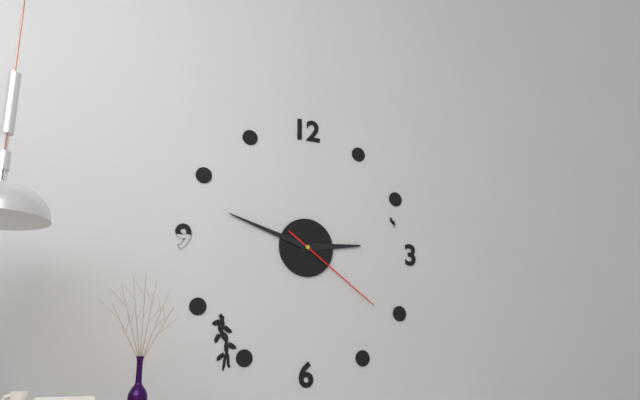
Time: **2:48:21**
